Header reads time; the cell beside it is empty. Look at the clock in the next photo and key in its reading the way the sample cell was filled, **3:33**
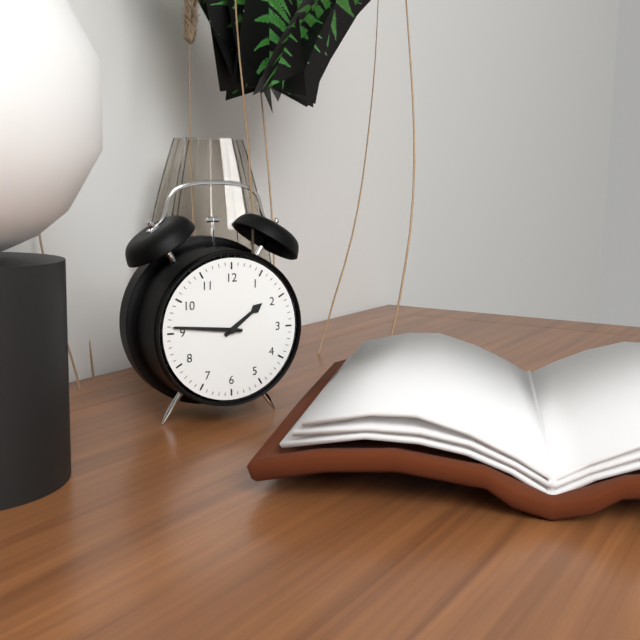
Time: **1:46**
